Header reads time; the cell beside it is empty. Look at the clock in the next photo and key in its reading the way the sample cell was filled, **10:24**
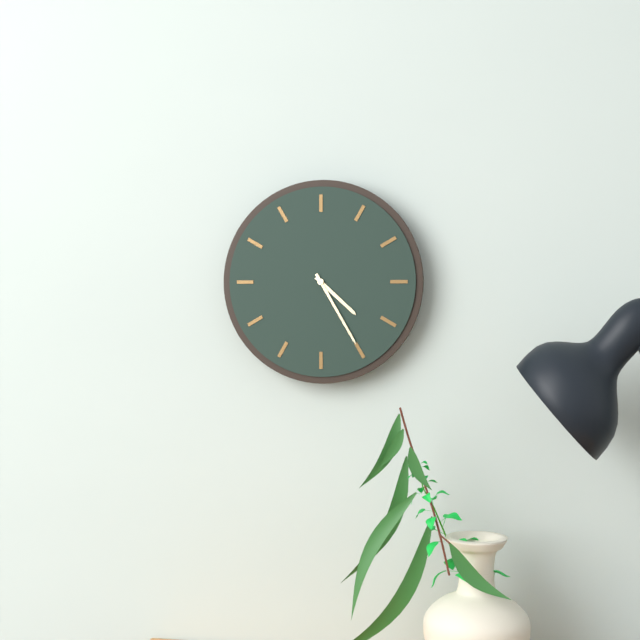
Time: **4:25**
